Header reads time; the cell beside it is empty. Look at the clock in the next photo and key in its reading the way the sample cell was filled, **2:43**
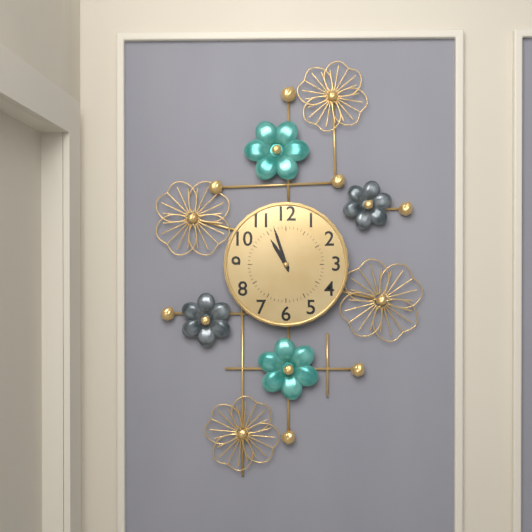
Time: **10:57**
